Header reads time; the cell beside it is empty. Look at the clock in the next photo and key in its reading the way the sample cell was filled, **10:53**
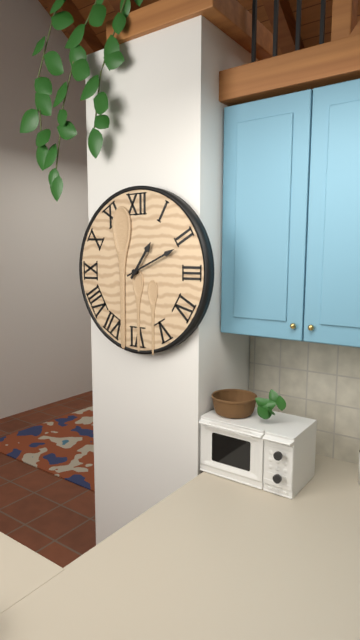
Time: **1:11**
